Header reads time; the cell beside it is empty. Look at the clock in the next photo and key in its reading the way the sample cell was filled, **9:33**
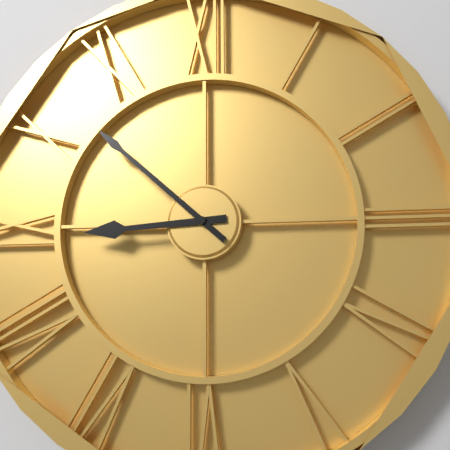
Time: **8:52**
